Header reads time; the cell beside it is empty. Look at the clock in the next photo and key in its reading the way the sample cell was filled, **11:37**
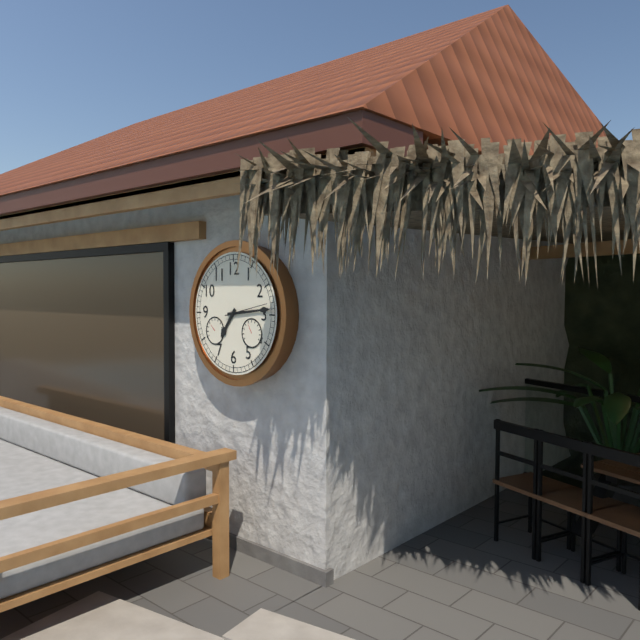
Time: **7:14**
